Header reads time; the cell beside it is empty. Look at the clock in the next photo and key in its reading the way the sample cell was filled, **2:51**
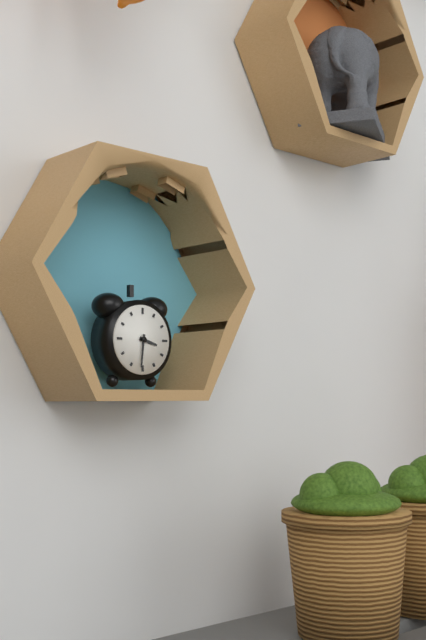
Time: **3:31**
